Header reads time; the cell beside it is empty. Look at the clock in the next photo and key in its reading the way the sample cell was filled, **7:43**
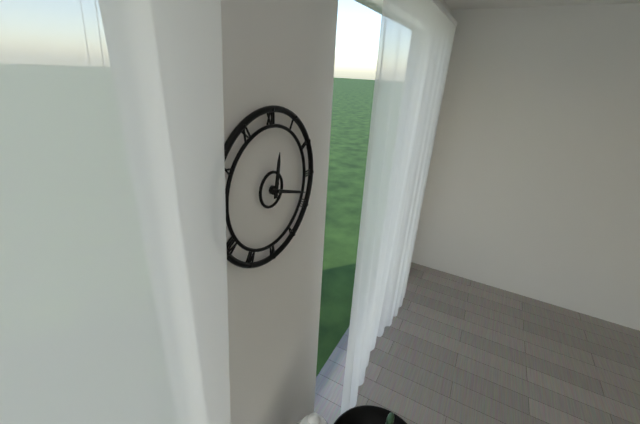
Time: **12:18**
